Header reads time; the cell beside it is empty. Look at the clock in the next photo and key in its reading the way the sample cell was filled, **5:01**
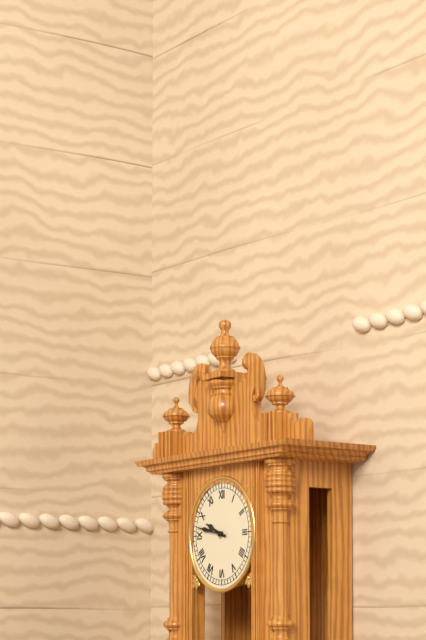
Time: **9:47**
